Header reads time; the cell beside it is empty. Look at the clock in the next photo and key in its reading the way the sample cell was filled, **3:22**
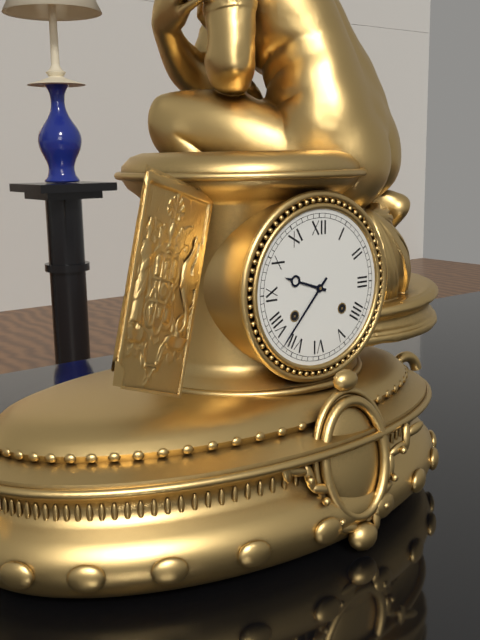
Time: **9:37**
